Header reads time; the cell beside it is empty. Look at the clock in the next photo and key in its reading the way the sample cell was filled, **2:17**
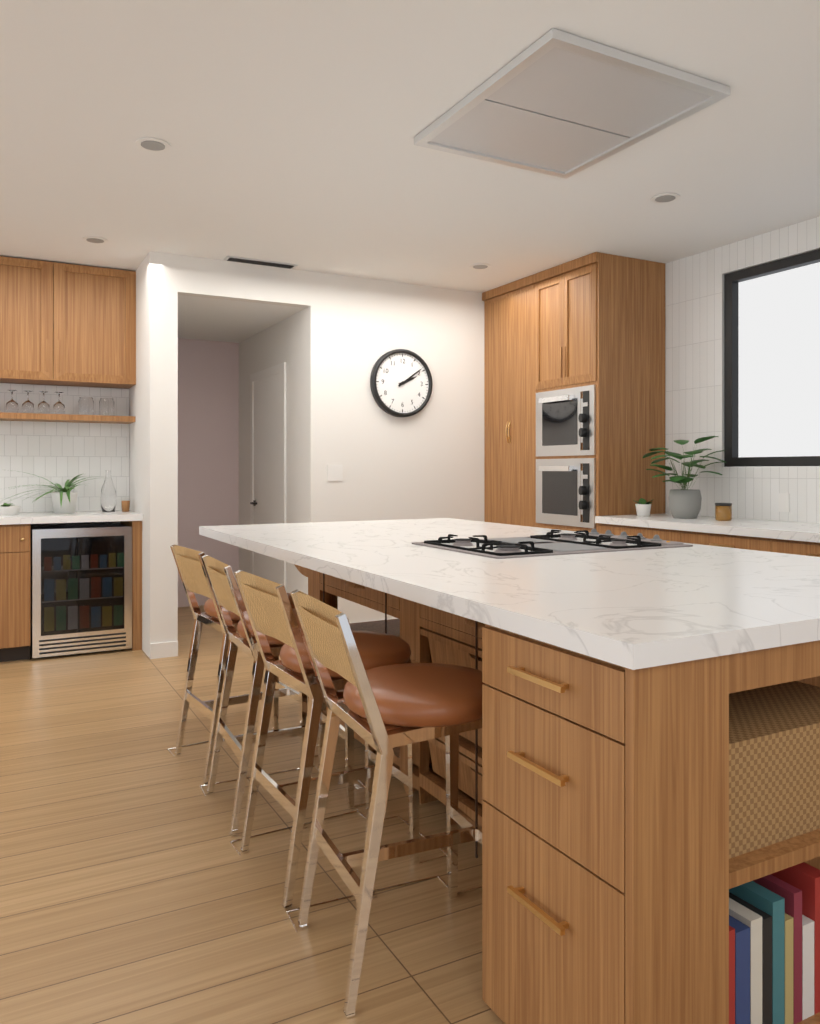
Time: **2:09**
